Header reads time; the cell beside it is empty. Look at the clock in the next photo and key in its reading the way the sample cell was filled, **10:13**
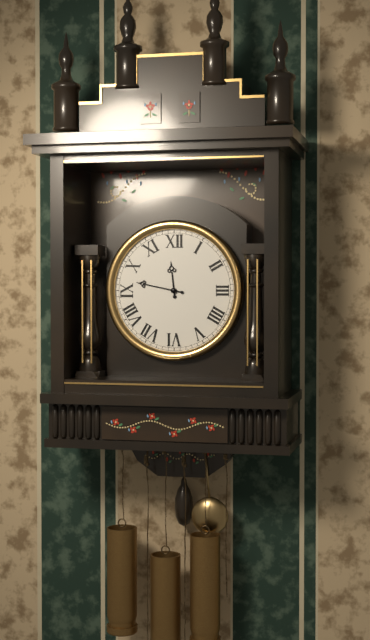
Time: **11:47**
